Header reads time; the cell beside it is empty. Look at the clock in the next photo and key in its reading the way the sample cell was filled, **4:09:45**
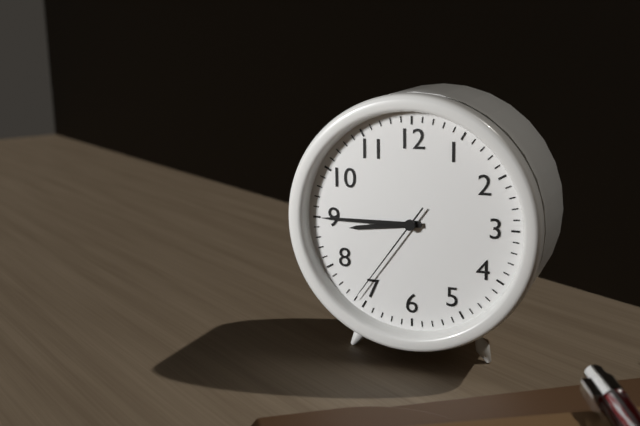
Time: **8:45:36**
